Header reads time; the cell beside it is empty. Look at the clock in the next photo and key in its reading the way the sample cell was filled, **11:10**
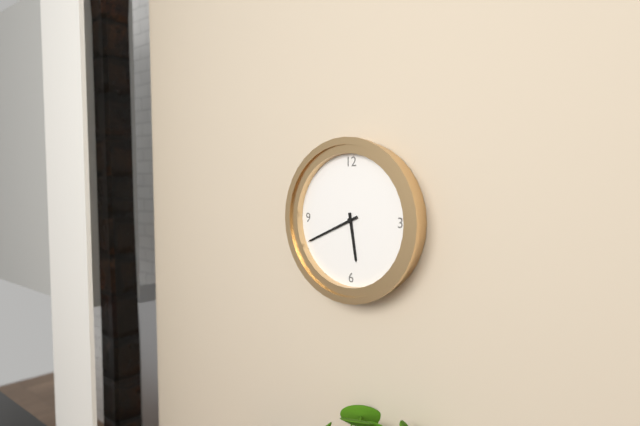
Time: **5:41**
